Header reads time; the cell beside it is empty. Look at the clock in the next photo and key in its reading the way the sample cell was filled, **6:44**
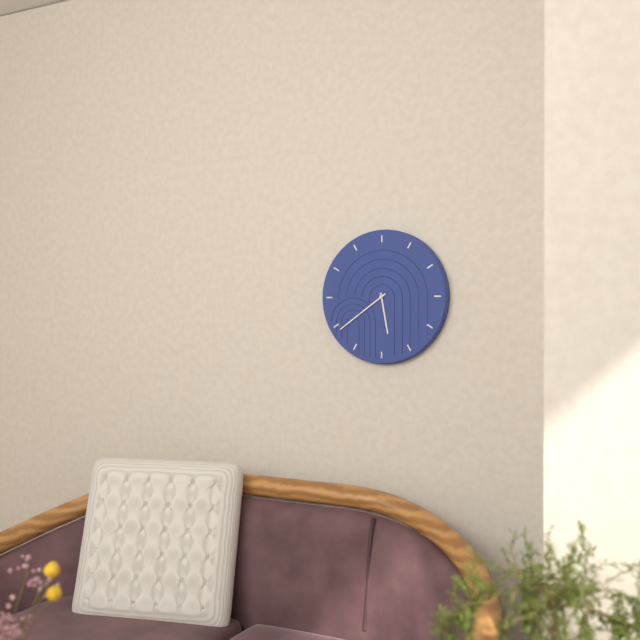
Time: **5:39**
